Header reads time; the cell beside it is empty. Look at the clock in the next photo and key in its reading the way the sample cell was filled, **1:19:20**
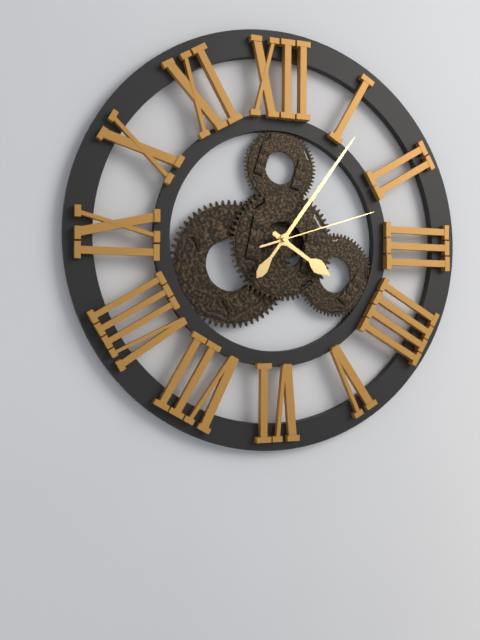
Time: **4:06:12**
